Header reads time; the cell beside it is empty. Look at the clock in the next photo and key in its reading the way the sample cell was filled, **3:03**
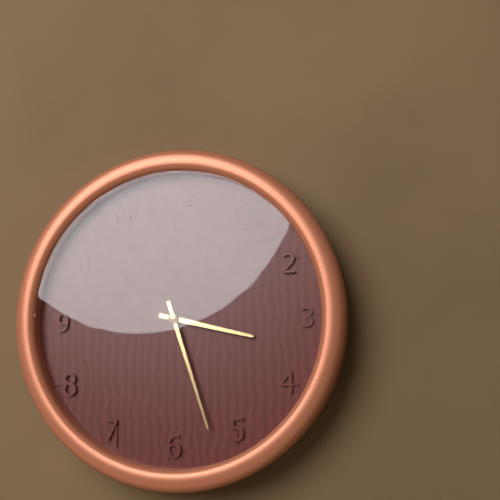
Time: **3:27**
